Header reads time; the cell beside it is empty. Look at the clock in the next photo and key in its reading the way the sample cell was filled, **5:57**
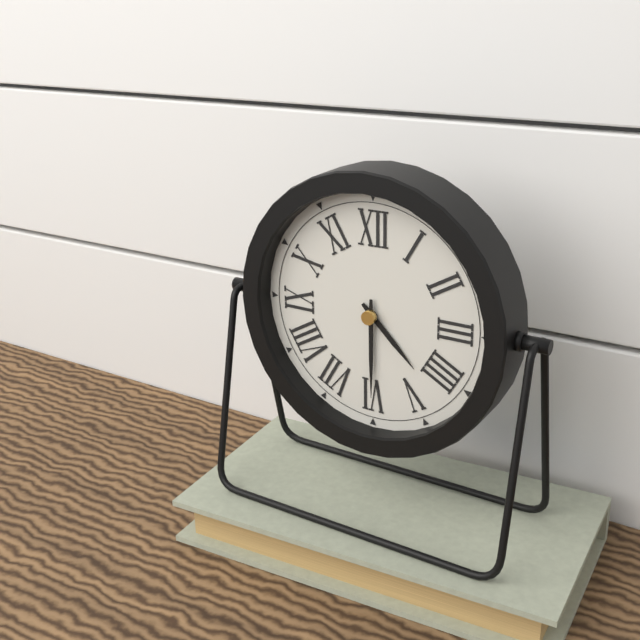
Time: **4:30**
